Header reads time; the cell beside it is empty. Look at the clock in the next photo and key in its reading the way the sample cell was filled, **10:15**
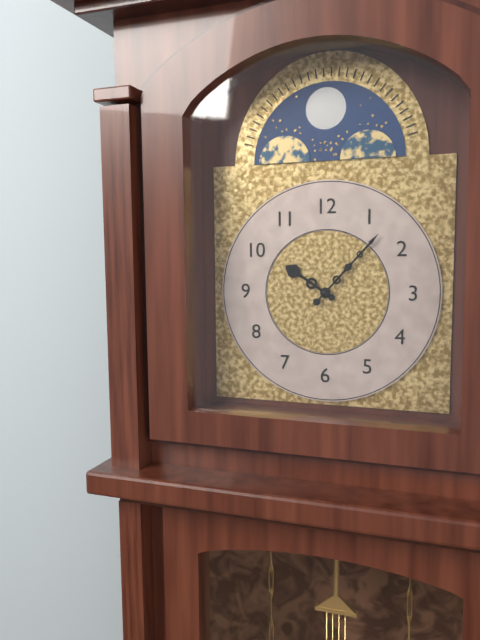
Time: **10:07**
